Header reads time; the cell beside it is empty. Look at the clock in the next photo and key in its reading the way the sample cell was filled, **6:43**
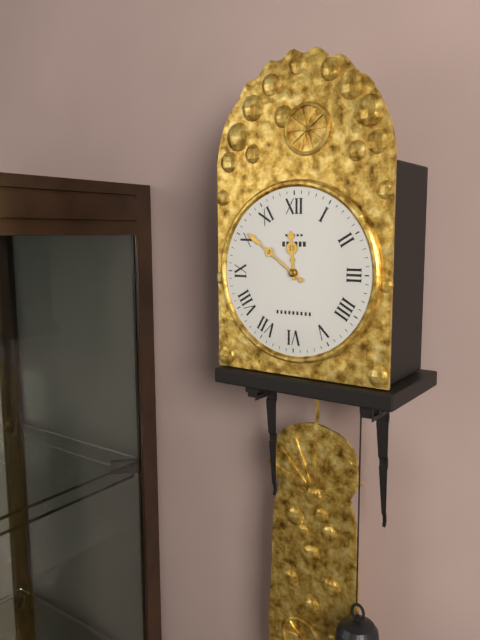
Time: **11:51**
